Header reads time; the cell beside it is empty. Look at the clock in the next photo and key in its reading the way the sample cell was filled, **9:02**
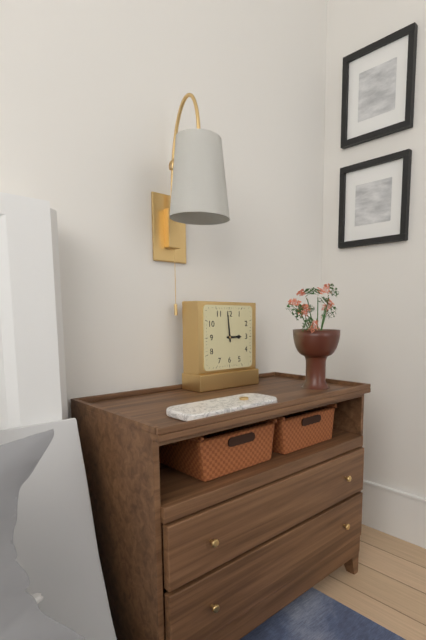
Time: **2:59**
